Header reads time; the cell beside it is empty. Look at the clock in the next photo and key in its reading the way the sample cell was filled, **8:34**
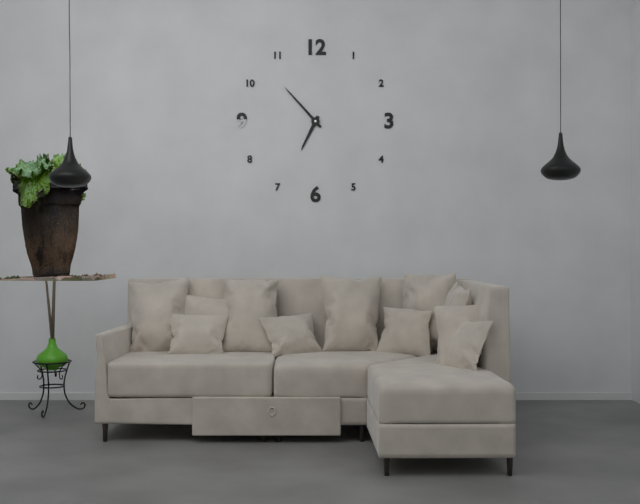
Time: **6:53**
